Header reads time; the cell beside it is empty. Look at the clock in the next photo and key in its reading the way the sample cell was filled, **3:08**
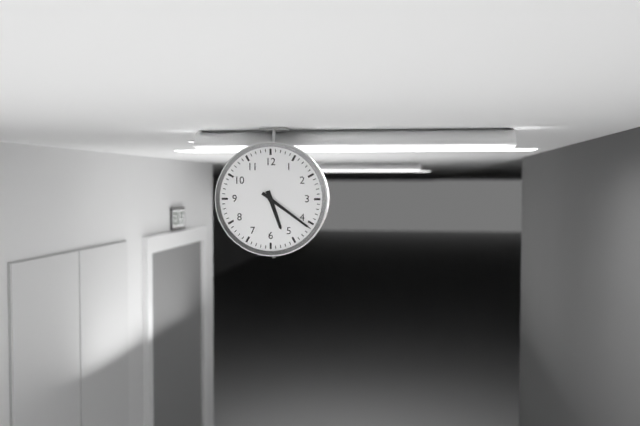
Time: **5:21**
